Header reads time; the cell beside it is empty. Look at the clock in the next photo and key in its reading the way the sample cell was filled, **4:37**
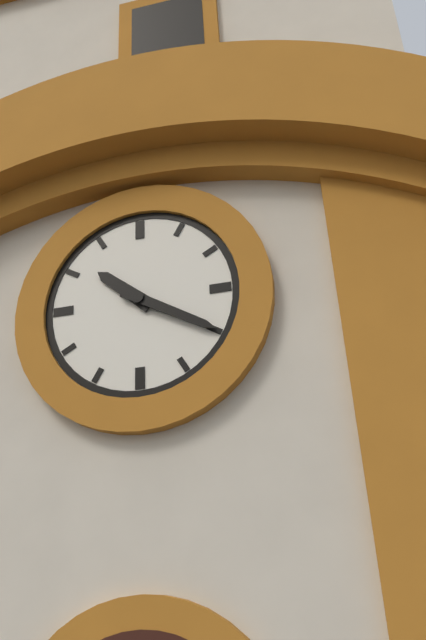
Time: **10:20**
